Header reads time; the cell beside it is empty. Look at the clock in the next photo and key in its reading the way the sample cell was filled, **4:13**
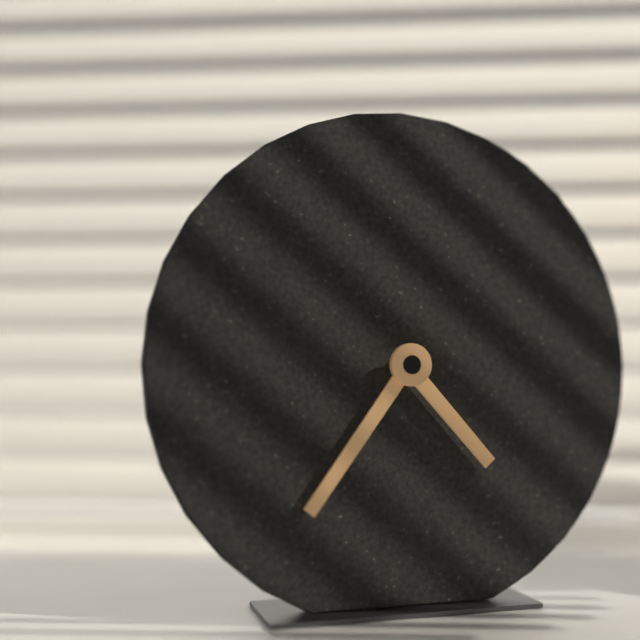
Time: **4:36**
